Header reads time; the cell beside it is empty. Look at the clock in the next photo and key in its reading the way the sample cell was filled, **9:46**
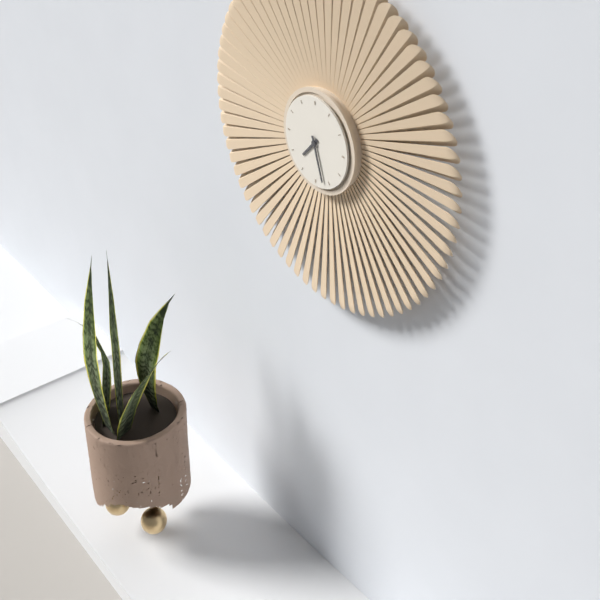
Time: **7:27**
